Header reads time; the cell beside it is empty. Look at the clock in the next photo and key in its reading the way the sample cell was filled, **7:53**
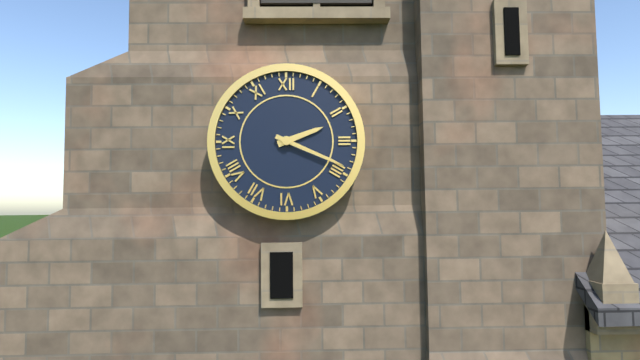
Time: **2:19**
